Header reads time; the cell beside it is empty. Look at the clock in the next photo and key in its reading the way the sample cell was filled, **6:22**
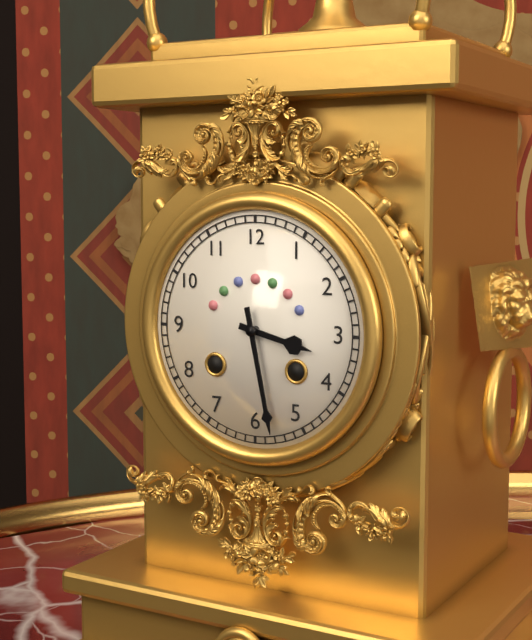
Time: **3:28**
